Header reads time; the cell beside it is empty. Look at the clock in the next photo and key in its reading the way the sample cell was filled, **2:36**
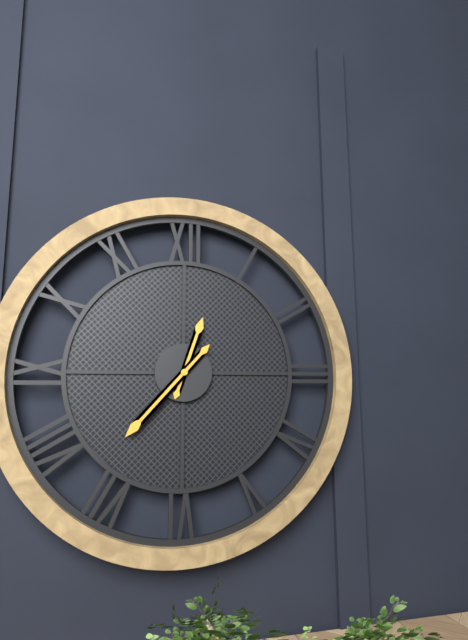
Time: **12:37**
